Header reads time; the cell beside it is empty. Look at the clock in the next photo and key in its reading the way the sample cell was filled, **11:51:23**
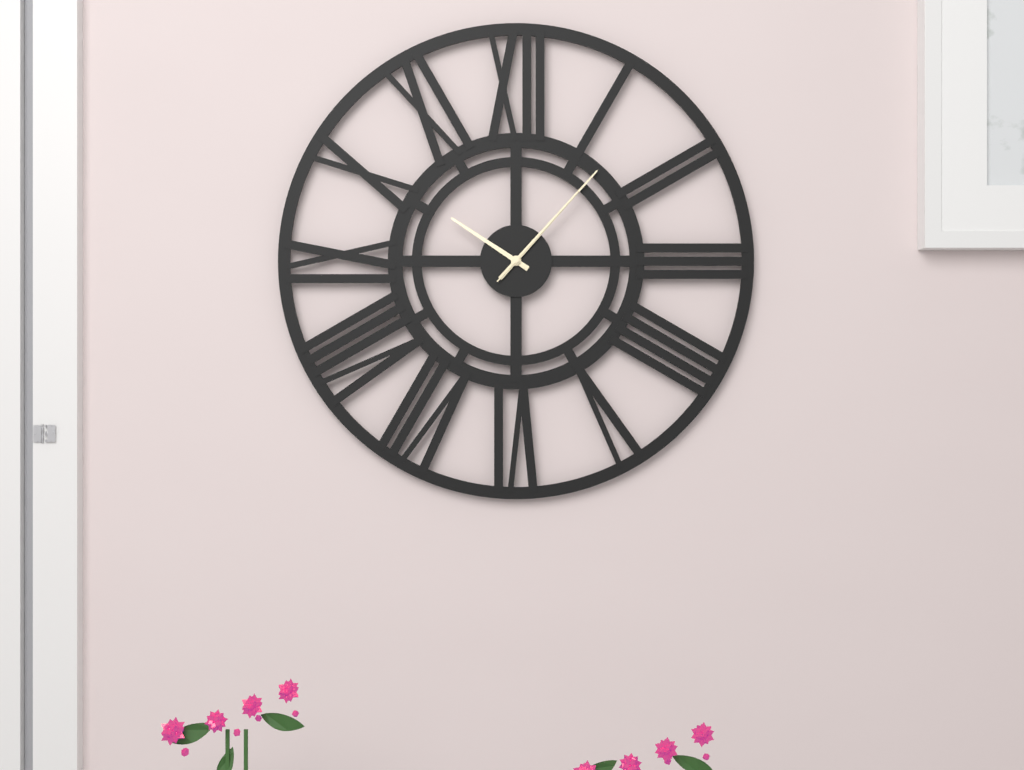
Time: **10:07:07**
